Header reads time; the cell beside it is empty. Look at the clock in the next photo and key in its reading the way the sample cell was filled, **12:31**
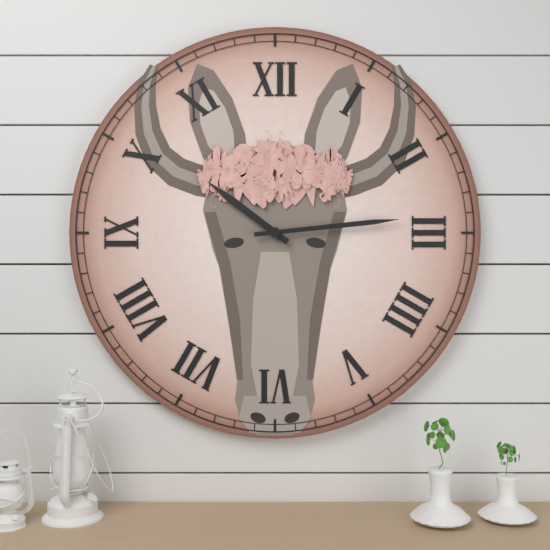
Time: **10:14**
